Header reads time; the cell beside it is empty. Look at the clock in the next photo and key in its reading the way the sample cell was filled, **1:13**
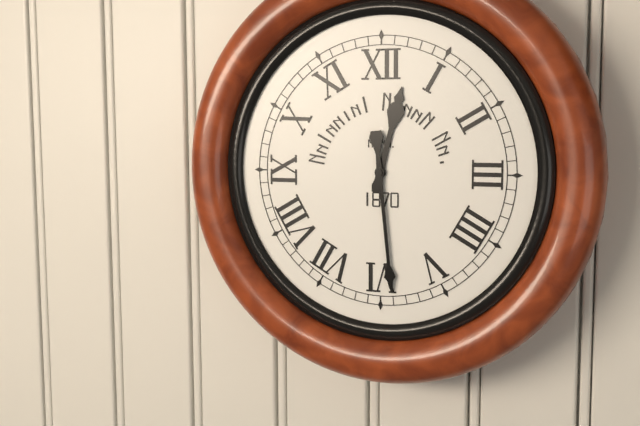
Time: **12:29**
